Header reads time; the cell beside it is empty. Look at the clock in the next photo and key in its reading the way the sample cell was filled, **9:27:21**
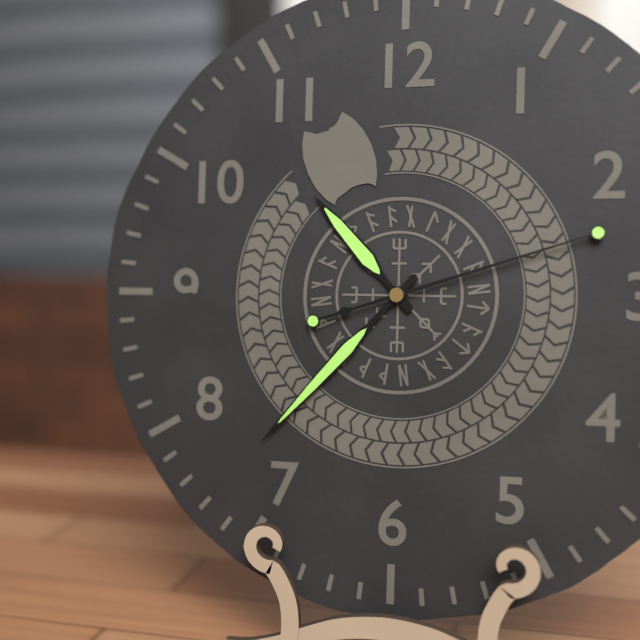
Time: **10:37:12**
